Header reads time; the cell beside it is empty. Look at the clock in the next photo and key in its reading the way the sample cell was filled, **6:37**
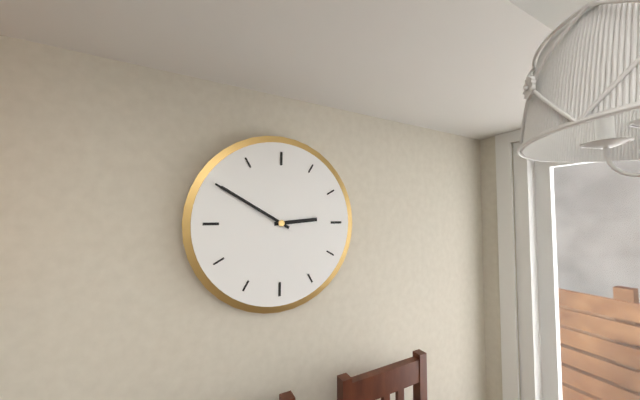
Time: **2:50**
